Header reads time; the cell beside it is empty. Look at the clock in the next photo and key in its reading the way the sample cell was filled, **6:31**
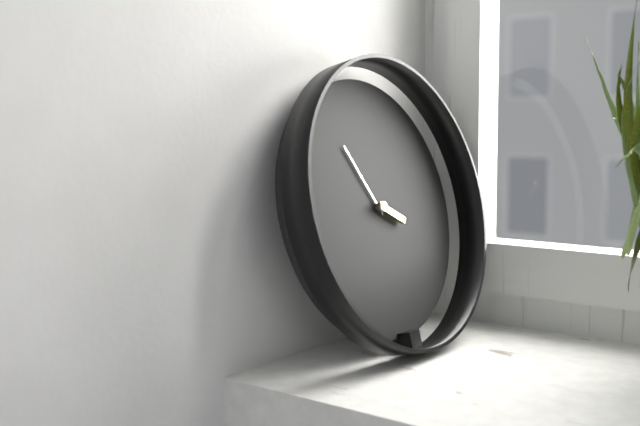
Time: **3:55**
